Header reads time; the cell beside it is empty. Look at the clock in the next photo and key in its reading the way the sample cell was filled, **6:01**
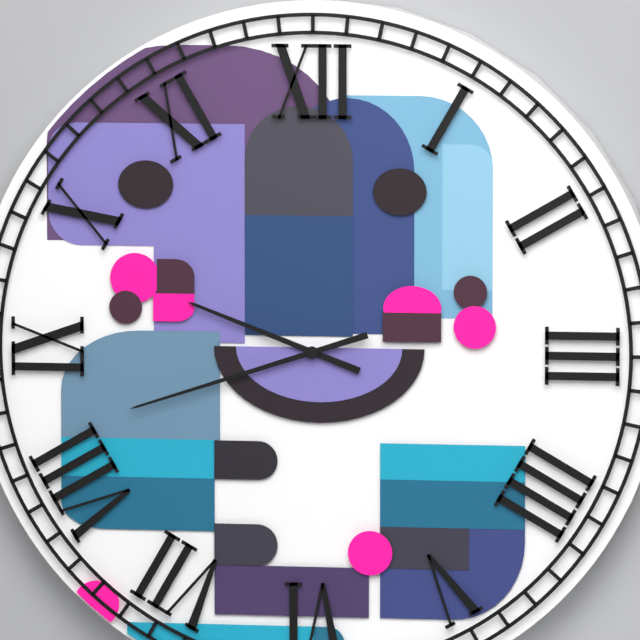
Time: **9:42**
